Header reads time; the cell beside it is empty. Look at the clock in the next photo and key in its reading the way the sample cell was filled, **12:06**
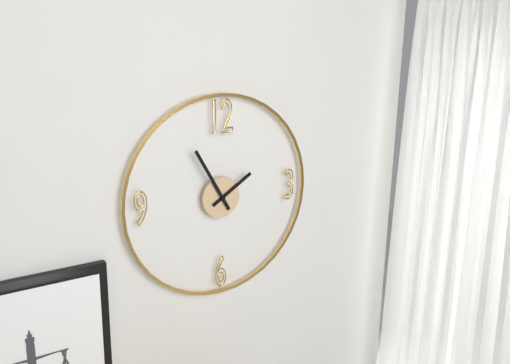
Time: **1:55**
